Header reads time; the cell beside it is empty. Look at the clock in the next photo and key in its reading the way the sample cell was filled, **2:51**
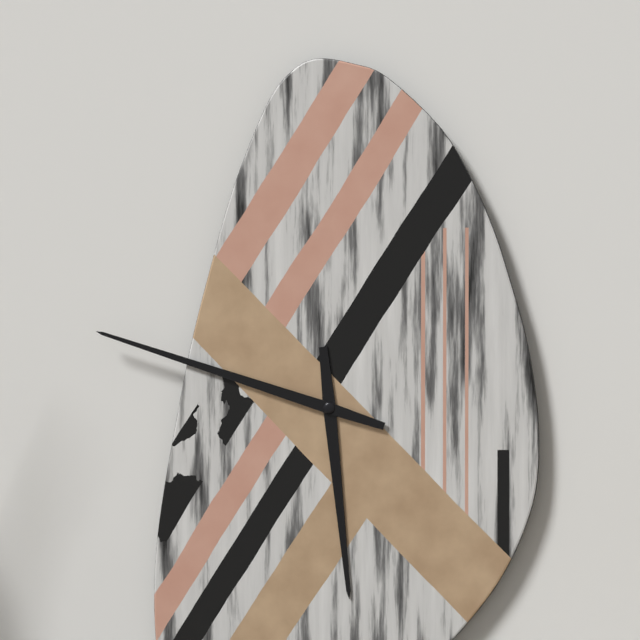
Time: **5:48**
